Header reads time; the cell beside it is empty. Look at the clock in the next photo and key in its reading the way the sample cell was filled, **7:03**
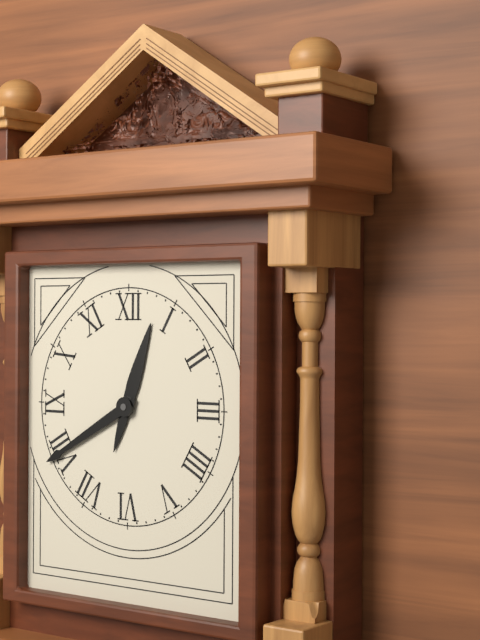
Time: **12:40**
